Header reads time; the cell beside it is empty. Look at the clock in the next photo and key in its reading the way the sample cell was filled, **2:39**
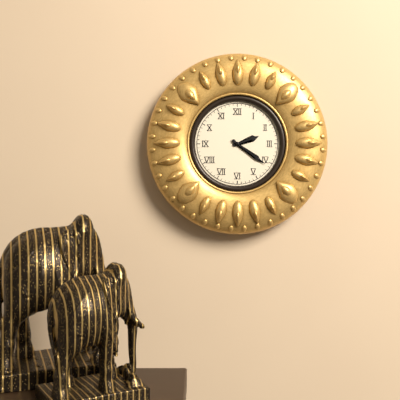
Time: **2:21**
